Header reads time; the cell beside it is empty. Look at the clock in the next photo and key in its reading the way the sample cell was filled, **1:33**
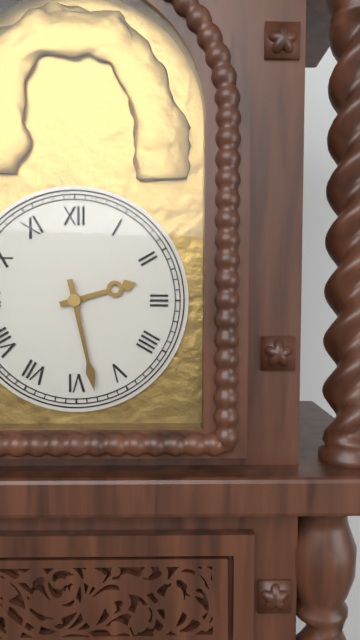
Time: **2:28**
